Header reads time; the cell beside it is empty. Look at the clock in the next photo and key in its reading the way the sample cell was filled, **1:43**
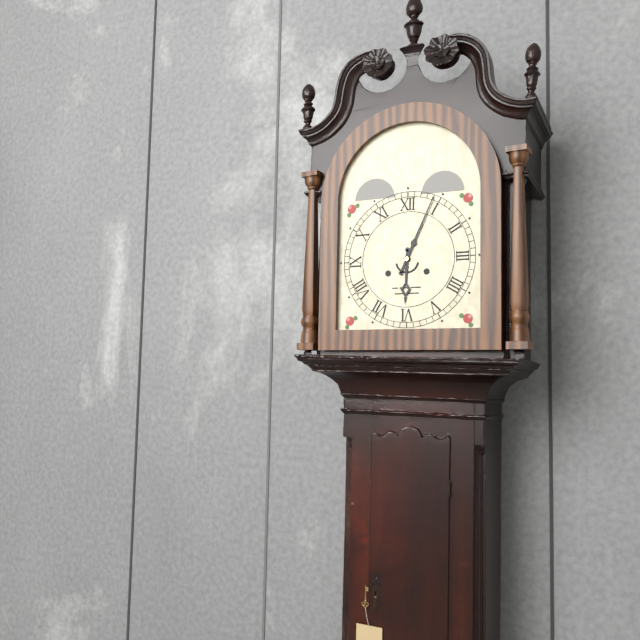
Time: **6:04**
